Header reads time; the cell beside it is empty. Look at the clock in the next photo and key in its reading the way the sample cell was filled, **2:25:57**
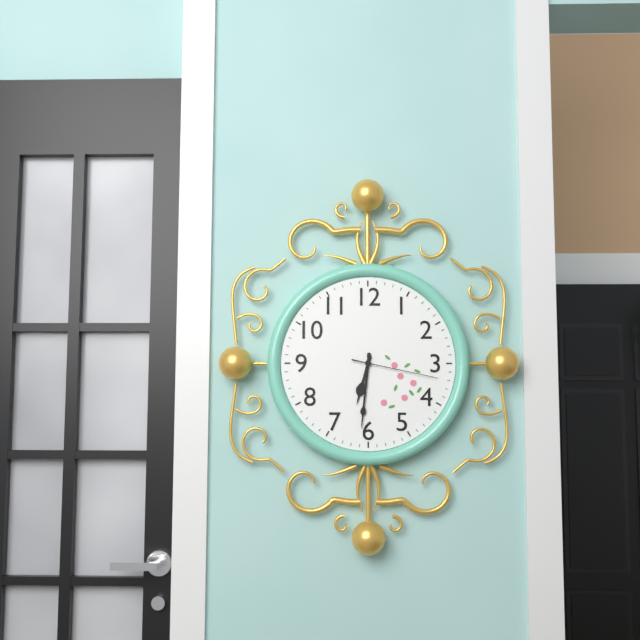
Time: **6:31:17**
